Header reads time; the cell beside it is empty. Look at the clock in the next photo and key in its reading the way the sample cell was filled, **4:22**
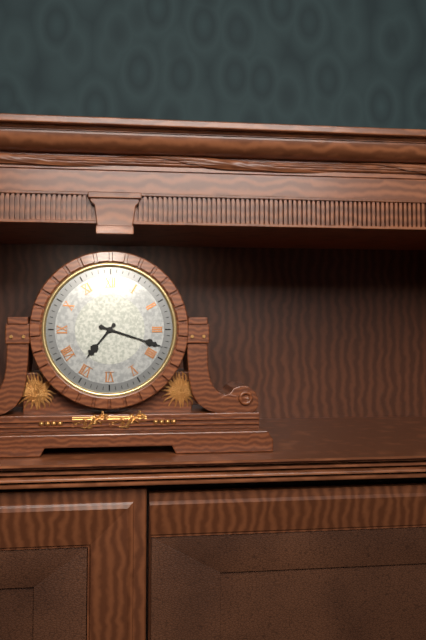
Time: **7:18**
